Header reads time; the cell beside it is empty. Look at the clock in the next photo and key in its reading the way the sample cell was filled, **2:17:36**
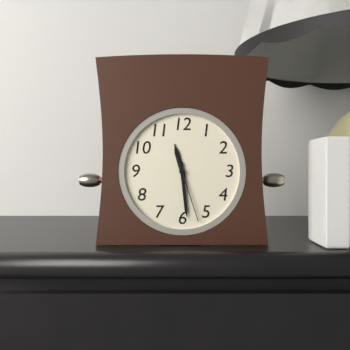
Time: **11:29:27**
